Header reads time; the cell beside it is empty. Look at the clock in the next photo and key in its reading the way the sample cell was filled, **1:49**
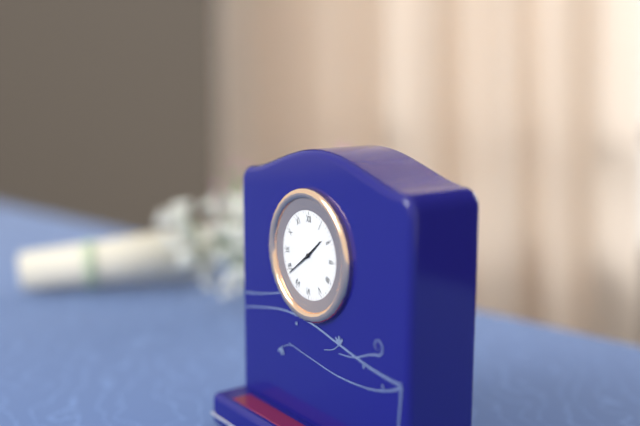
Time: **1:39**
